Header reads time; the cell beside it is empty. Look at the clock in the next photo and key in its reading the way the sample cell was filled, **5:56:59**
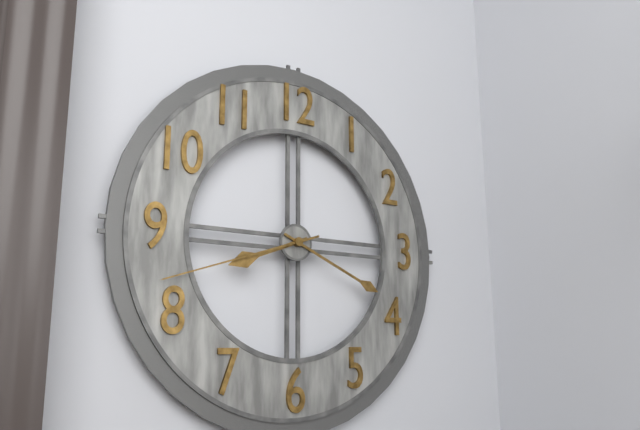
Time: **8:19:42**
